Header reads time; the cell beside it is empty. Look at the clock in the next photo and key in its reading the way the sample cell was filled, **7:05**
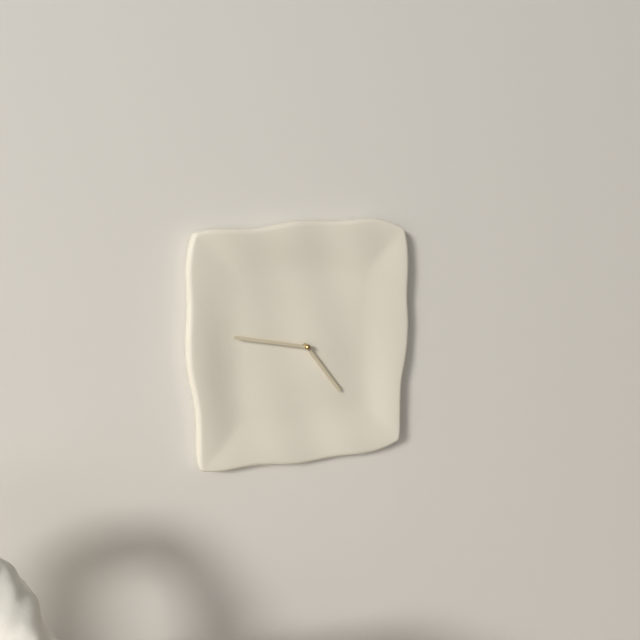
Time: **4:47**
